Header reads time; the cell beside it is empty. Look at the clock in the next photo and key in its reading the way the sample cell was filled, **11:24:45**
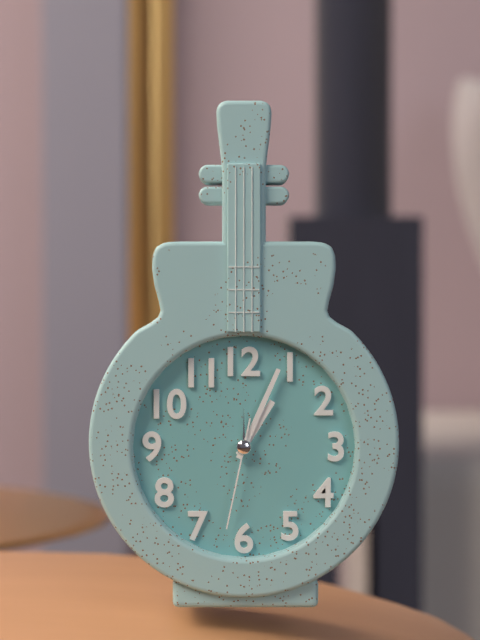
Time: **1:04:32**
